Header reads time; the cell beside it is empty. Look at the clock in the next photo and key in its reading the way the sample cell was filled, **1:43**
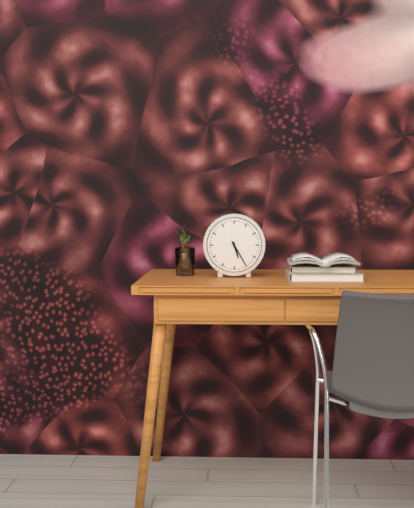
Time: **5:25**
